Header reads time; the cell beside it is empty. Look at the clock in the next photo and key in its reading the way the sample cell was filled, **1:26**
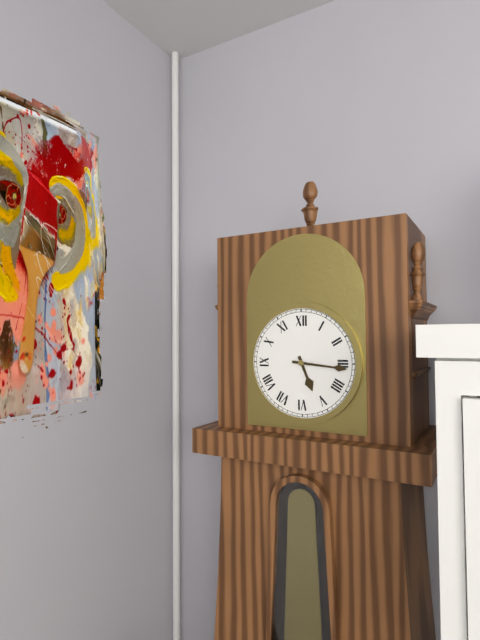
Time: **5:16**
